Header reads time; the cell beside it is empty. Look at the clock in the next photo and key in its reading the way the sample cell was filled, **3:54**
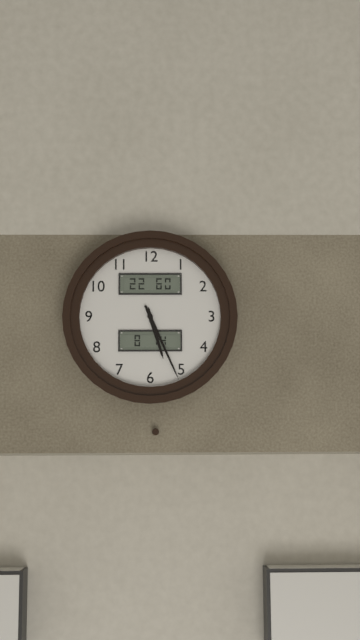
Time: **5:26**
